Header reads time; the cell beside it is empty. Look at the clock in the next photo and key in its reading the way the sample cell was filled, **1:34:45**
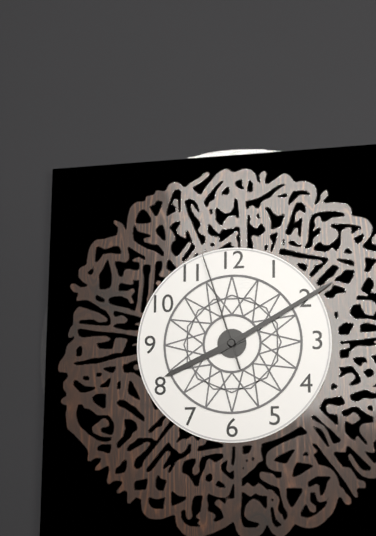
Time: **8:10:57**
